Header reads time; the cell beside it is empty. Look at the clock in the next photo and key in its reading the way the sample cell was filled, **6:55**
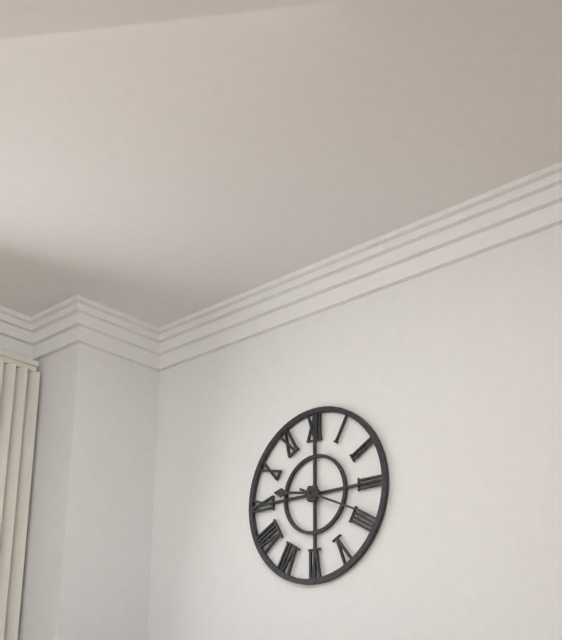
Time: **9:19**
